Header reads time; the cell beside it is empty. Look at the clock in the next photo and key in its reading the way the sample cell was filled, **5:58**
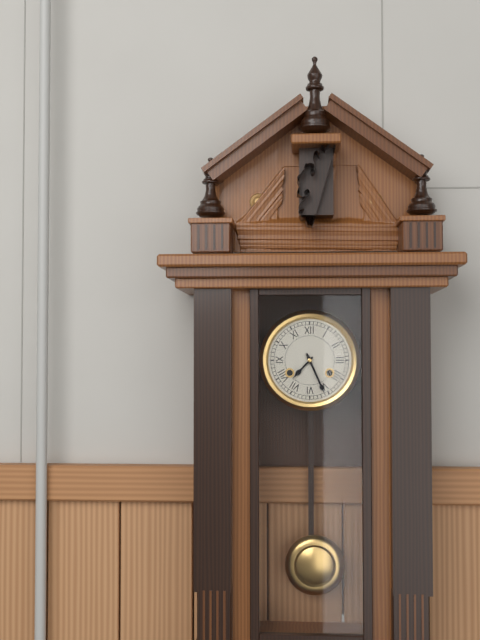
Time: **7:26**
